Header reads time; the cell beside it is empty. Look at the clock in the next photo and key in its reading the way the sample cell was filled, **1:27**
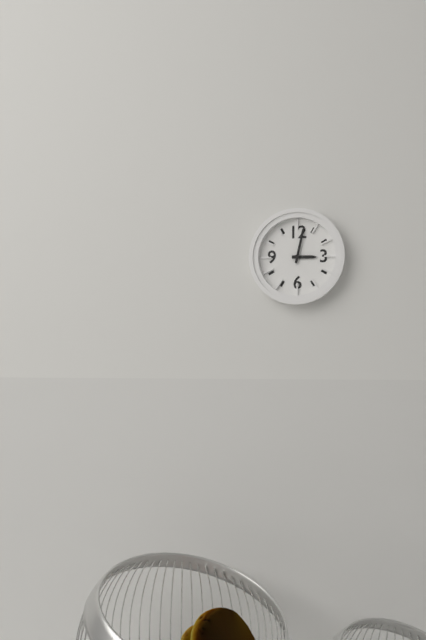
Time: **3:02**
